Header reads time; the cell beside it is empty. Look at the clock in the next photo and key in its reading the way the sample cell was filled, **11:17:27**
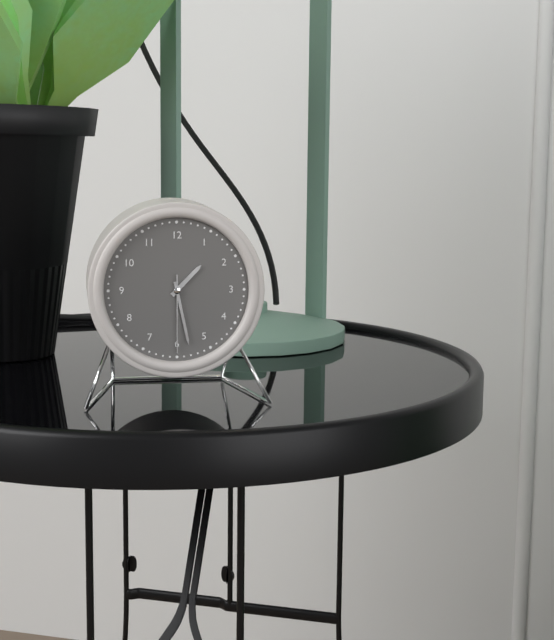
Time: **1:28:30**
